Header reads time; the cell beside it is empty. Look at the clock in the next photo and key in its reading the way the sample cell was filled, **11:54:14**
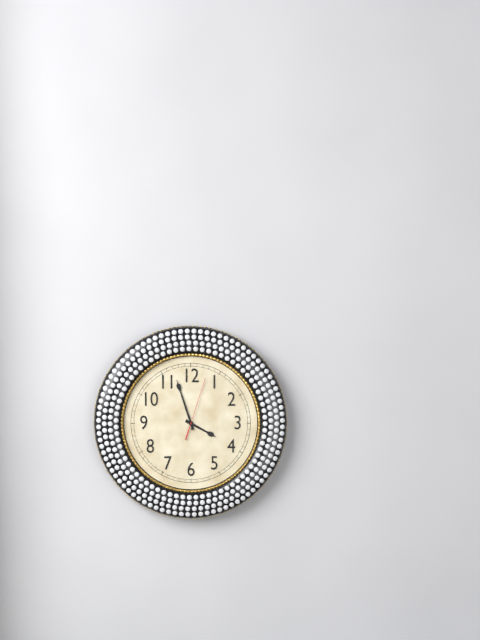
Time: **3:57:03**
